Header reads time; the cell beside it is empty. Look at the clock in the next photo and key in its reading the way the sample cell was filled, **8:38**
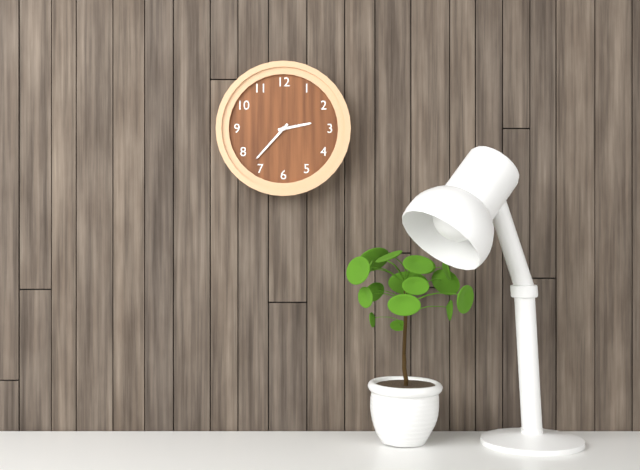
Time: **2:37**
